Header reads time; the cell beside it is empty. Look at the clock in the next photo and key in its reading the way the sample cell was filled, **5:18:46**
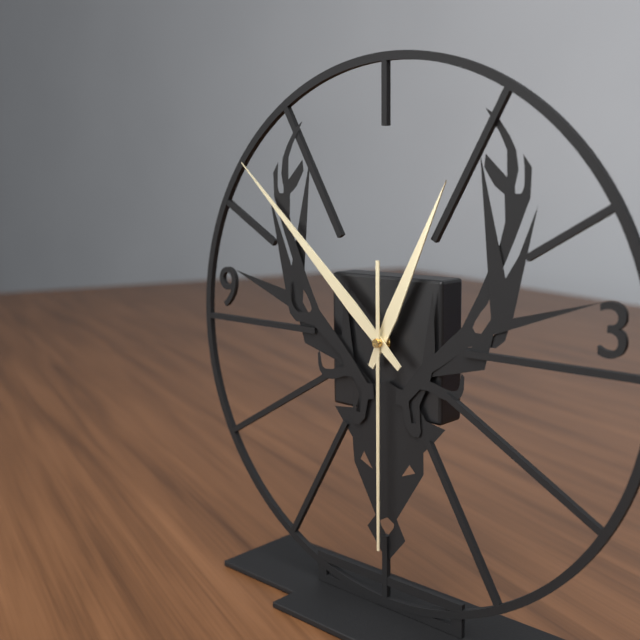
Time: **12:52:30**
